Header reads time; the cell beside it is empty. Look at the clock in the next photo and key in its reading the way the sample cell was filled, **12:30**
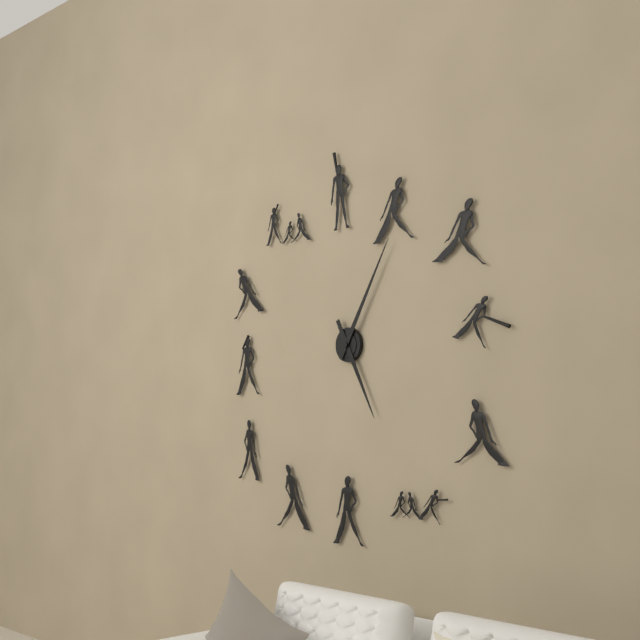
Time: **5:05**
